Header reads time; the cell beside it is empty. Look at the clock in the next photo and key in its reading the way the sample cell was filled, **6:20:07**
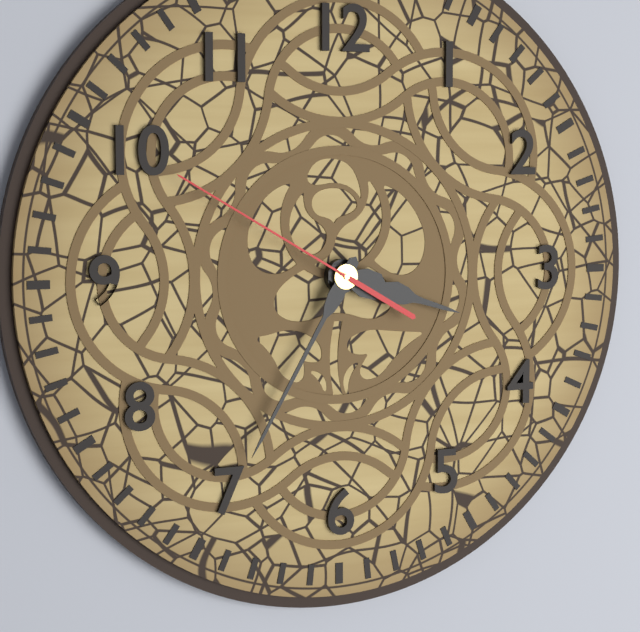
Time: **3:35:50**
